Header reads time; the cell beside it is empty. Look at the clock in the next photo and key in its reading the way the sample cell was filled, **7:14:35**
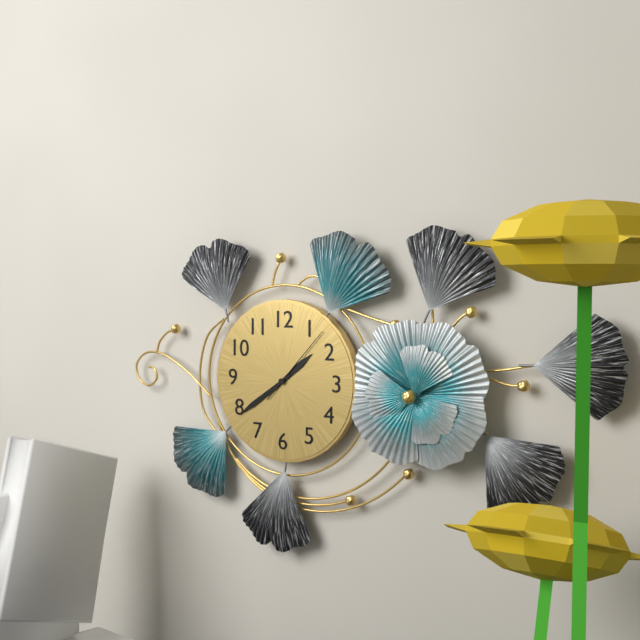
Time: **1:39:07**
